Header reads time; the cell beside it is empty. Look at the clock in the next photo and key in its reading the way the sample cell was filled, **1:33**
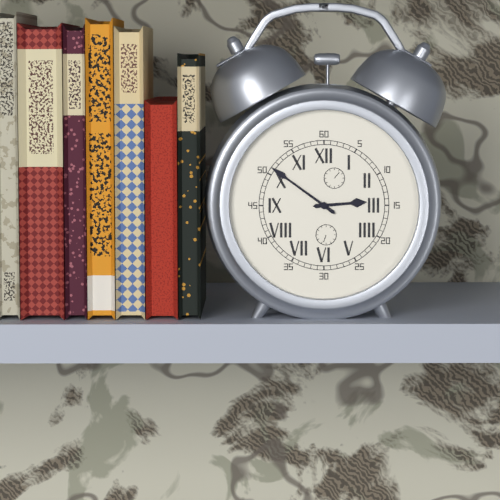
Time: **2:51**
